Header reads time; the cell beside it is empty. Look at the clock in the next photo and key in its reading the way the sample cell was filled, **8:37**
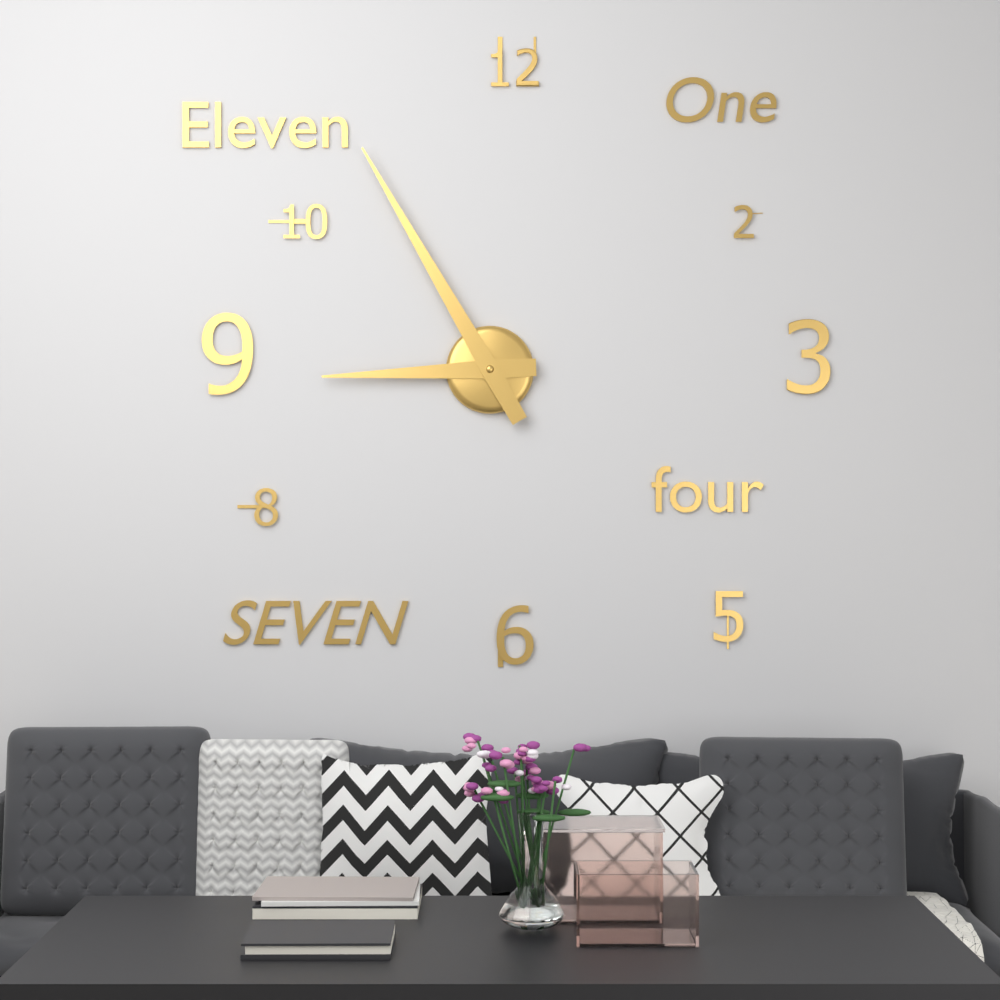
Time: **8:55**
